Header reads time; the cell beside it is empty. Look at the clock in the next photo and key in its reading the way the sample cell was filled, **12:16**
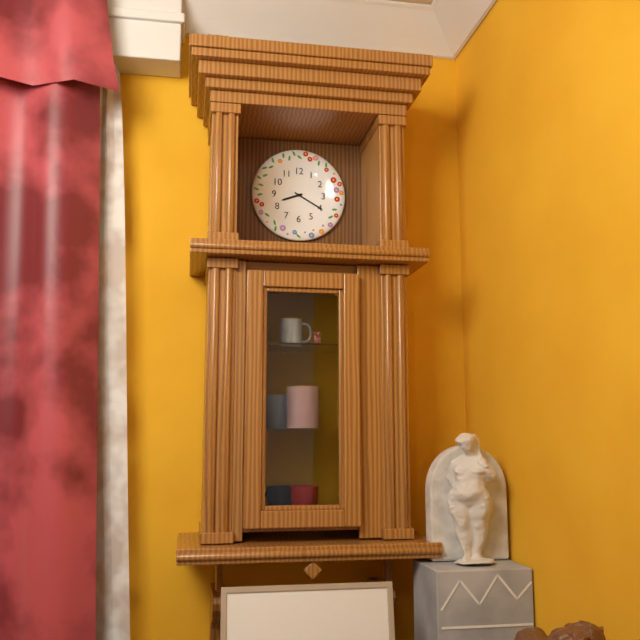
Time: **8:20**
